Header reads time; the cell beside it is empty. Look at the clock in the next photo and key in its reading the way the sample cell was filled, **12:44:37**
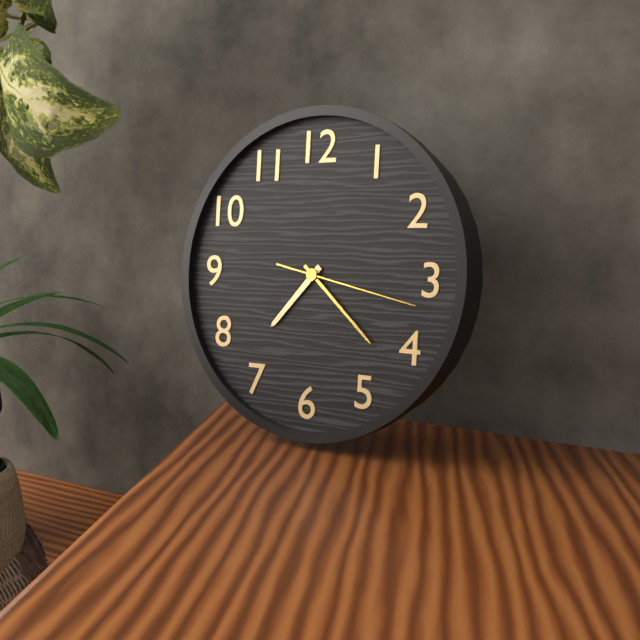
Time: **7:22:17**
